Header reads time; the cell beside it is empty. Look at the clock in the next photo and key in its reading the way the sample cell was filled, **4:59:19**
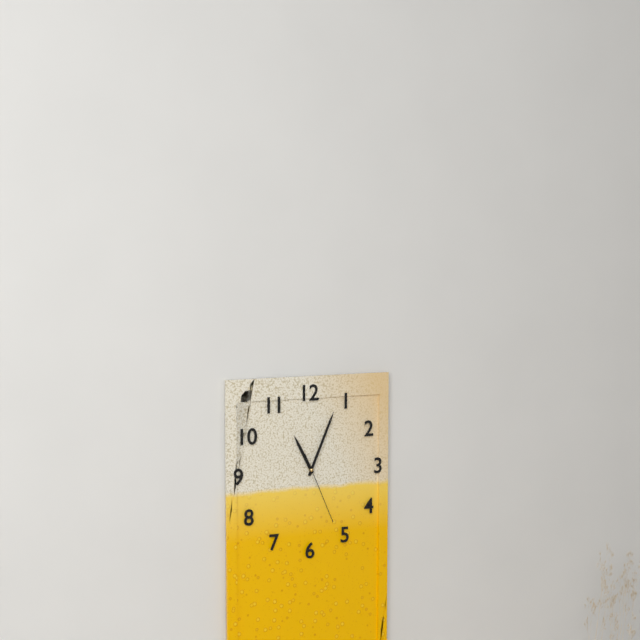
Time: **11:04:26**
